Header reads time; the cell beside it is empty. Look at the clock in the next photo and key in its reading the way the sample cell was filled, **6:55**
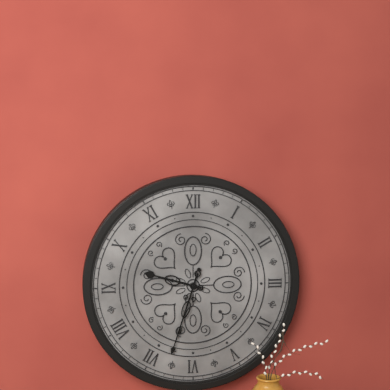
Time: **9:33**
